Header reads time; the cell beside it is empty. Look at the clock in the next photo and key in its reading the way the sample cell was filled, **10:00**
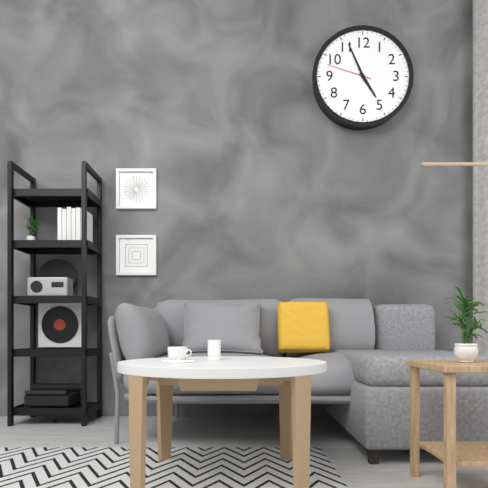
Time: **4:56**
